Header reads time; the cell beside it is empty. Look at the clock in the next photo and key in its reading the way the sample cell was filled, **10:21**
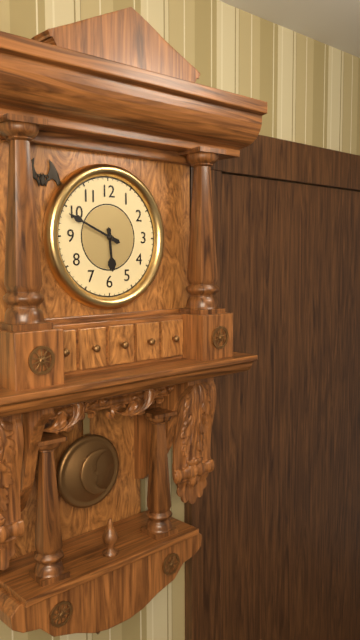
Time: **5:49**
